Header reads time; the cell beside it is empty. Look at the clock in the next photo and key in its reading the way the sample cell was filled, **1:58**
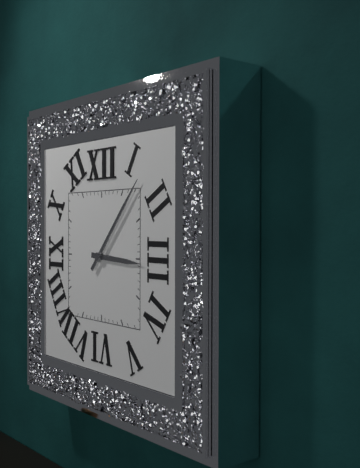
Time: **3:07**
